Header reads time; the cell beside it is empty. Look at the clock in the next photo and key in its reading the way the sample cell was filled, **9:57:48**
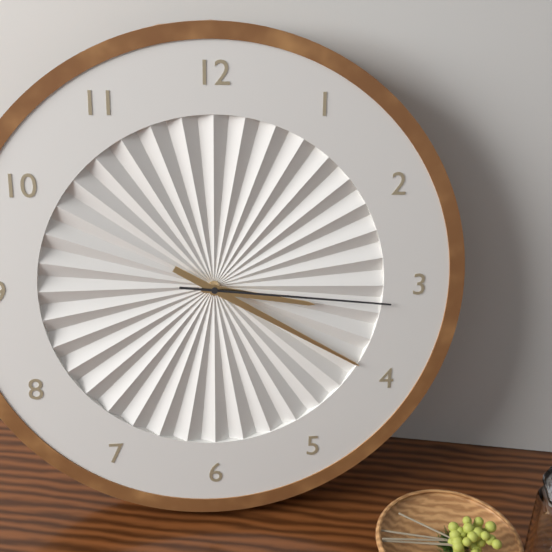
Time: **3:20:16**
